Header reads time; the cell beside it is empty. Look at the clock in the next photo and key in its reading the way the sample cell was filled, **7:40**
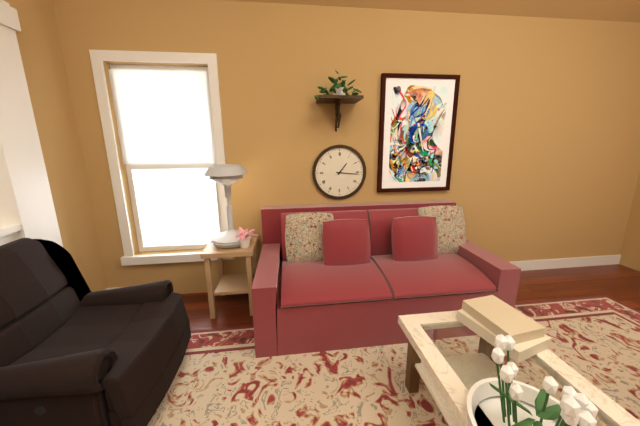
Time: **1:16**
